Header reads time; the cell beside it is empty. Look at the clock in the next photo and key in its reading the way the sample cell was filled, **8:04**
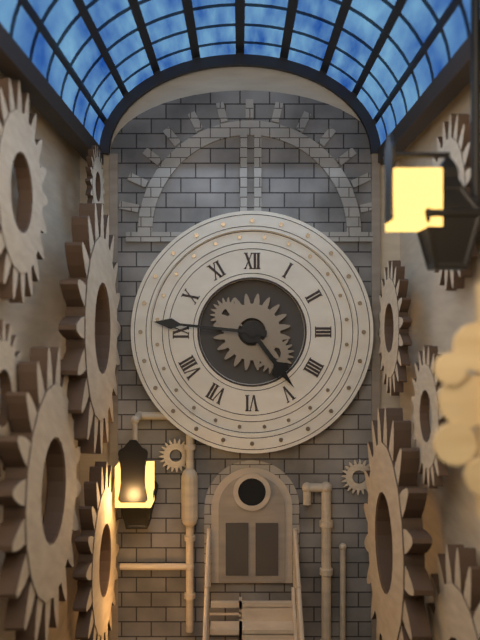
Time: **4:46**
